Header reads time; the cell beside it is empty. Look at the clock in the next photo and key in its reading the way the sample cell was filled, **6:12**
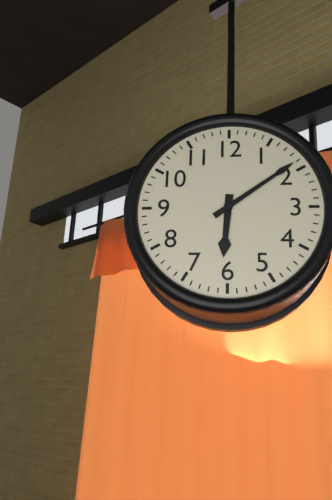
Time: **6:09**
